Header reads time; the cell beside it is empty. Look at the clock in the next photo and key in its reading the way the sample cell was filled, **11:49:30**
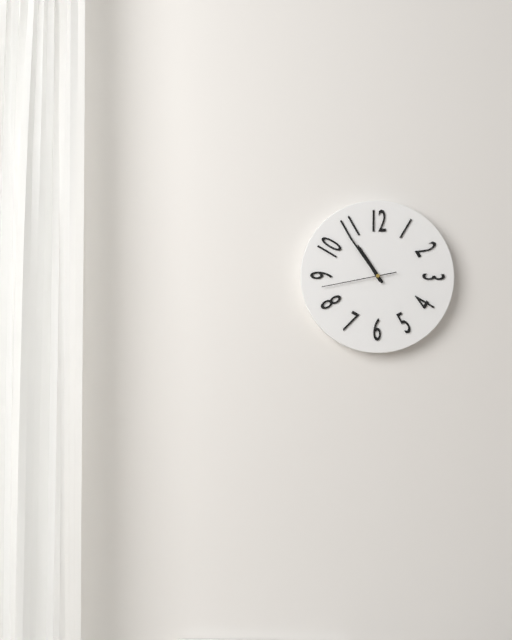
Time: **10:54:43**
